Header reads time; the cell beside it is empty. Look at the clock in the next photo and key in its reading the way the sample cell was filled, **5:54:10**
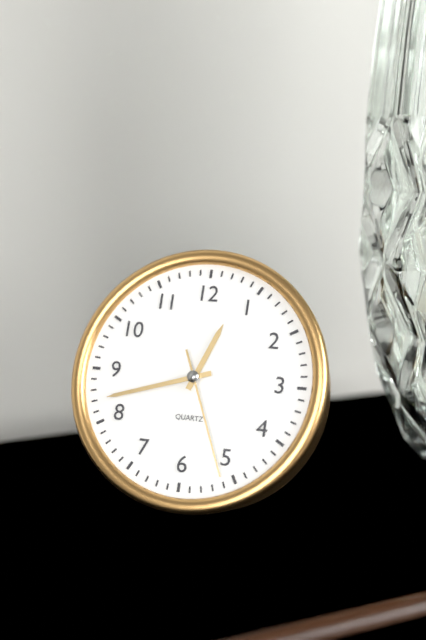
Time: **12:42:26**
